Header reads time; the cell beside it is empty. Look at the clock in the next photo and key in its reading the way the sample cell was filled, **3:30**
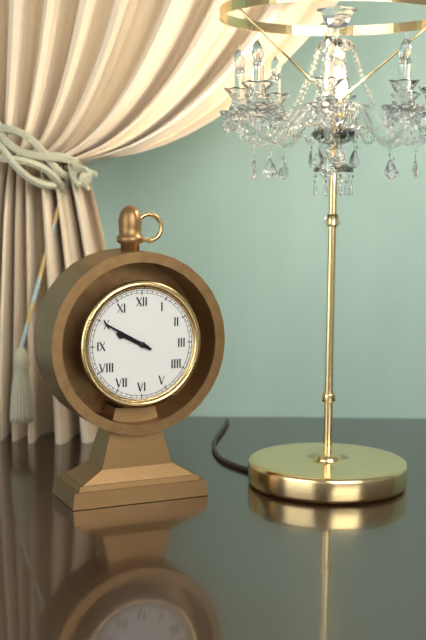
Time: **9:50**
